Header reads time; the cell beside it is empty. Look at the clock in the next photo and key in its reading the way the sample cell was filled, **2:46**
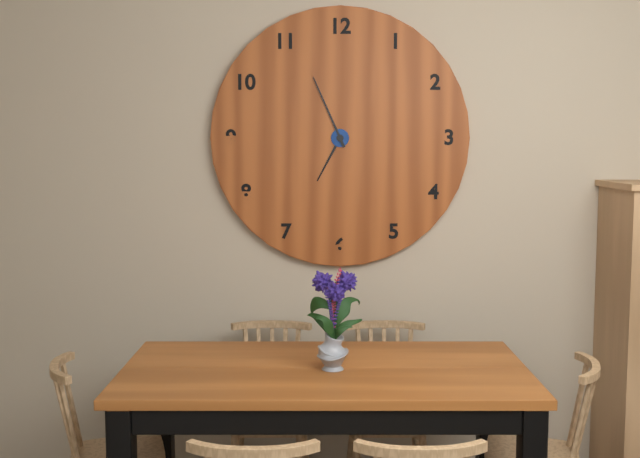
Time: **6:56**
